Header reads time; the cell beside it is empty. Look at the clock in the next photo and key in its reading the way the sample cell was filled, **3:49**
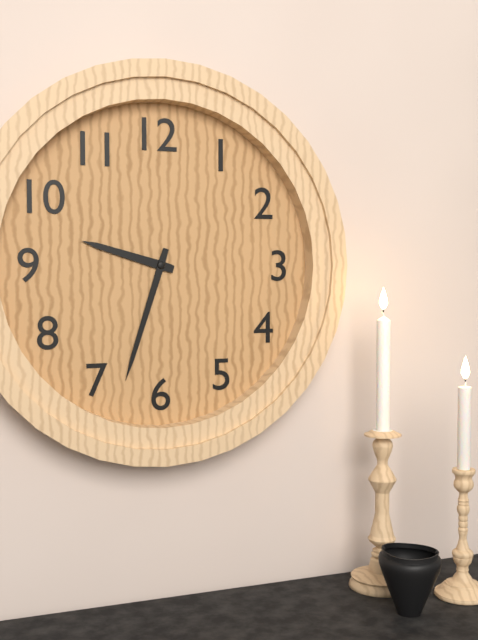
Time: **9:33**
